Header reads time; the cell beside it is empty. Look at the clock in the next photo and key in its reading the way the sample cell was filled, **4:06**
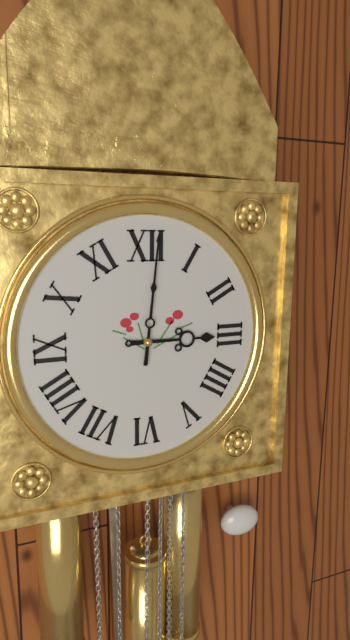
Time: **3:01**
